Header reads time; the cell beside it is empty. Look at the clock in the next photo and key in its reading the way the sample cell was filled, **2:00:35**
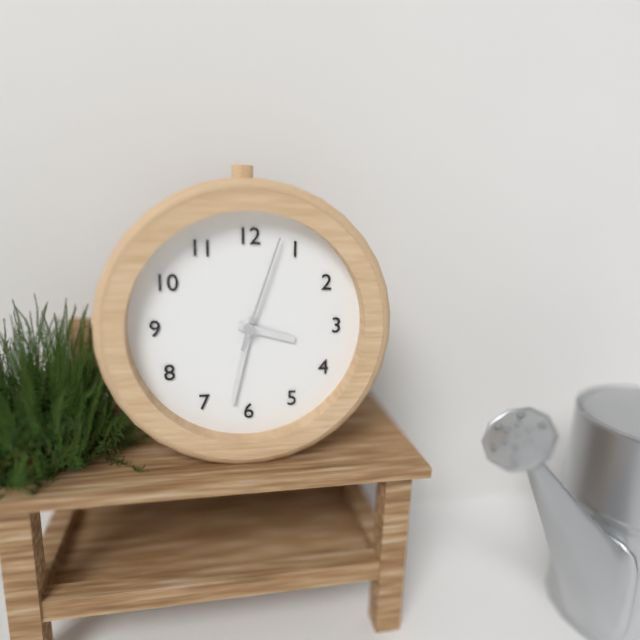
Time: **3:32:03**
